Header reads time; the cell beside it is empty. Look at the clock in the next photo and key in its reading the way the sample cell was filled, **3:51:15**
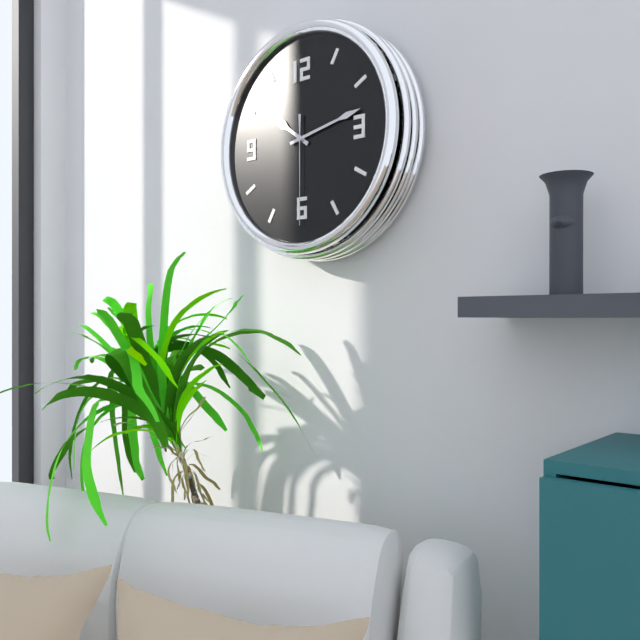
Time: **10:13:30**
